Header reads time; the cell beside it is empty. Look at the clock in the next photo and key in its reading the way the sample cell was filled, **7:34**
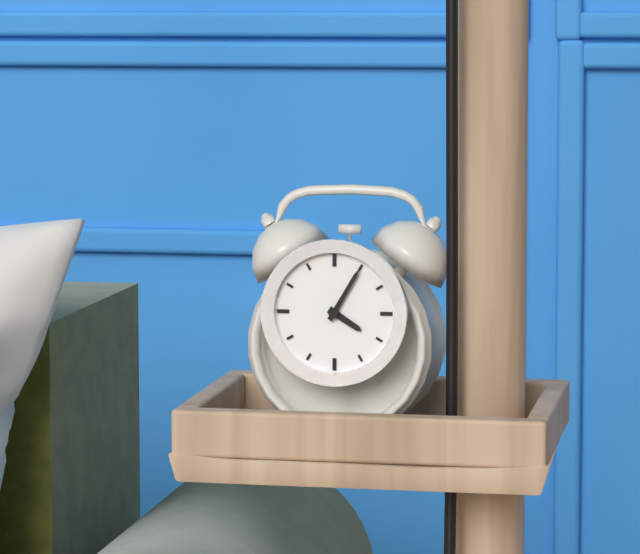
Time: **4:05**
